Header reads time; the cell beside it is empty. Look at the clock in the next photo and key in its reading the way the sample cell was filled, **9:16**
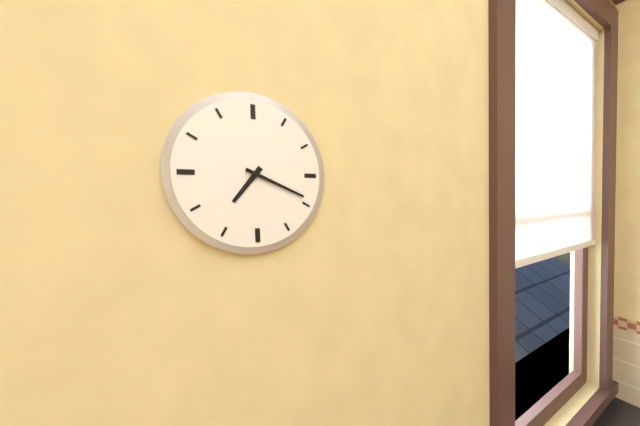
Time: **7:19**
